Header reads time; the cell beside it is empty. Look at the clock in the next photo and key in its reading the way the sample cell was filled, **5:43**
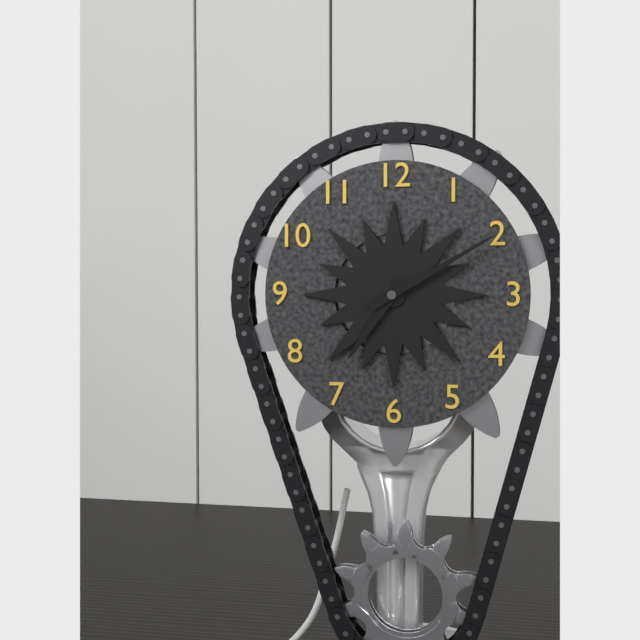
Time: **7:10**
